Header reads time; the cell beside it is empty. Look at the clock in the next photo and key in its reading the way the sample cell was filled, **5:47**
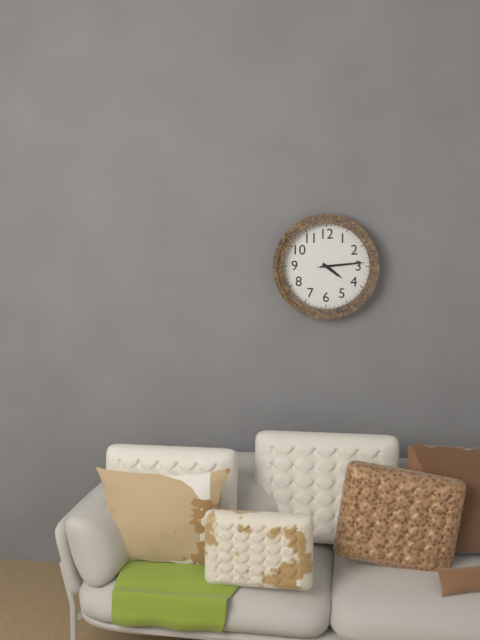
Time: **4:14**
